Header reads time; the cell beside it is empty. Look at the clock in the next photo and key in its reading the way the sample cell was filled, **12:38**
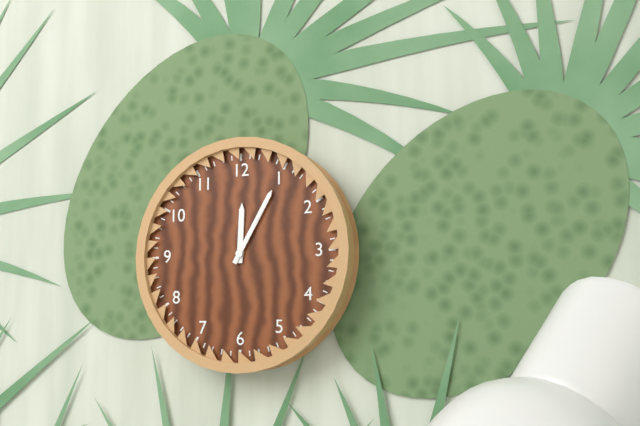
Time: **12:05**
